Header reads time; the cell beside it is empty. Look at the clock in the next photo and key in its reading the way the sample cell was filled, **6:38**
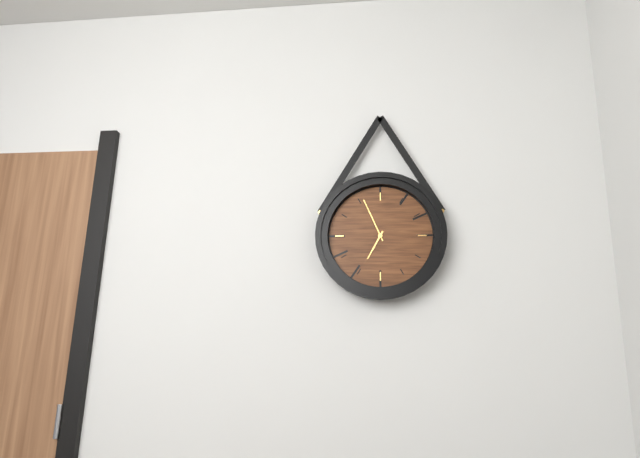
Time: **6:56**
